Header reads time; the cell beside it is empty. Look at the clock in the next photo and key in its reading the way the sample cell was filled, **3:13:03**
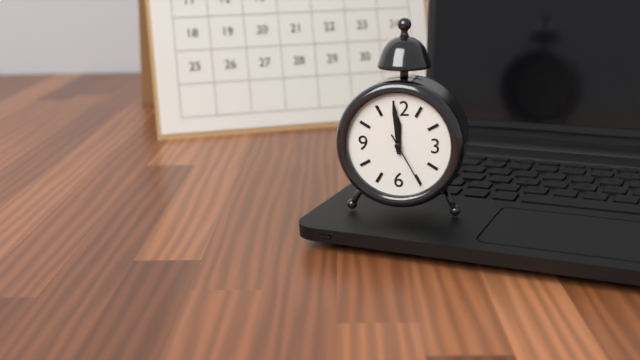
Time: **11:59:25**
